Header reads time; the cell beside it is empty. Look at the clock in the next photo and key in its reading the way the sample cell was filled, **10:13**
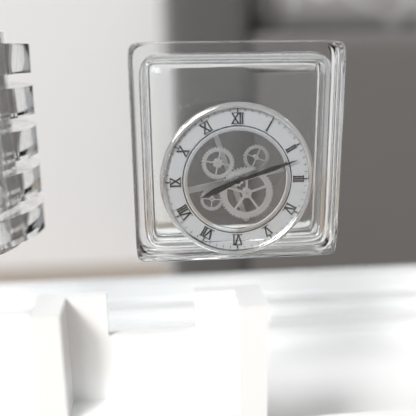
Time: **8:12**
